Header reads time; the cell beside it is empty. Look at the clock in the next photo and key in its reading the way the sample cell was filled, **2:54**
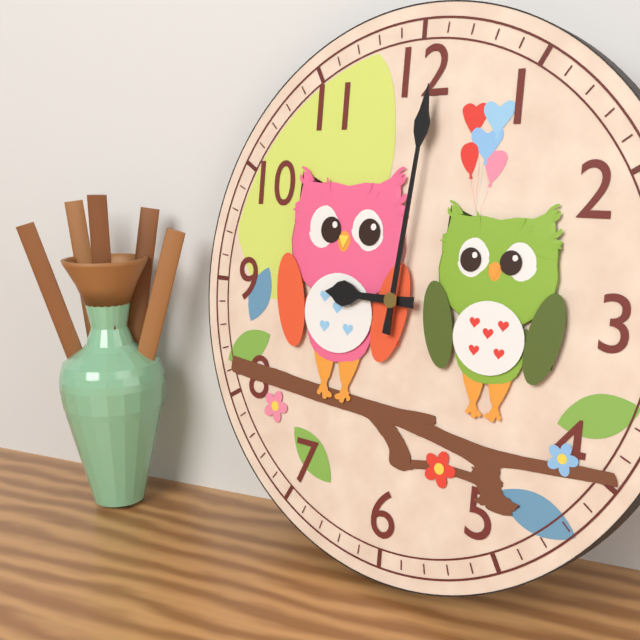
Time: **9:01**
